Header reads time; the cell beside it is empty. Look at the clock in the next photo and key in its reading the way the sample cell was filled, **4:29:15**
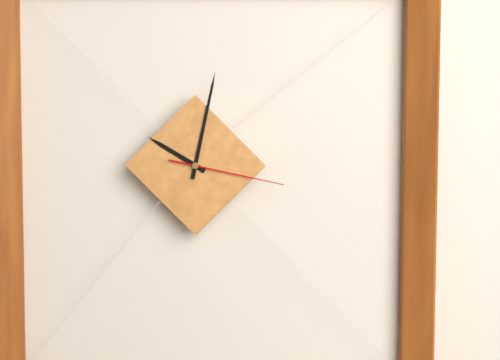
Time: **10:02:17**
